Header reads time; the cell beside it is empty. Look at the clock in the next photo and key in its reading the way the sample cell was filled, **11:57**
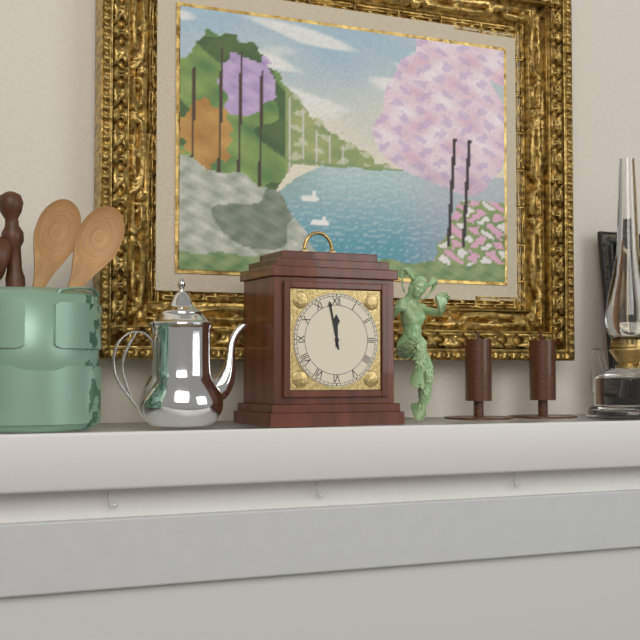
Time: **11:58**
